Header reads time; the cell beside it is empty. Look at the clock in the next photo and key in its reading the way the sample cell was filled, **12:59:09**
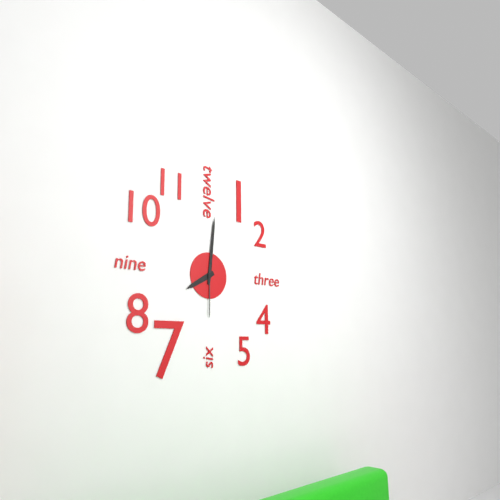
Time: **8:01:30**
